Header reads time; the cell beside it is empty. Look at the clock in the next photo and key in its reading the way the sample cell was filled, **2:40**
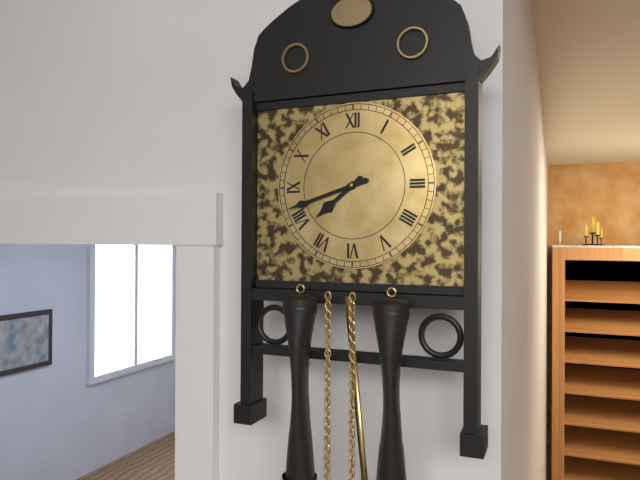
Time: **7:42**
